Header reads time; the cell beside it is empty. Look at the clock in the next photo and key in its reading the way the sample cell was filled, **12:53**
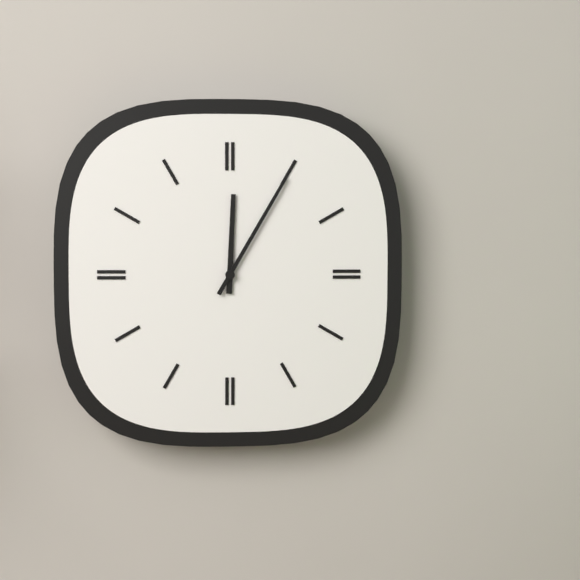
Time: **12:05**
